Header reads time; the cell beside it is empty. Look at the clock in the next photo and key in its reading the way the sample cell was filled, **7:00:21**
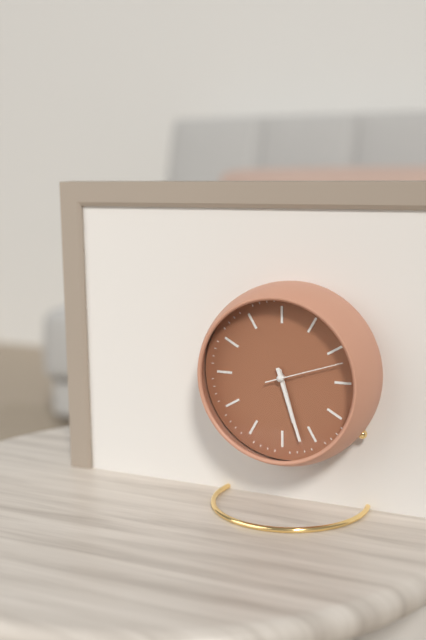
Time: **5:27:12**
